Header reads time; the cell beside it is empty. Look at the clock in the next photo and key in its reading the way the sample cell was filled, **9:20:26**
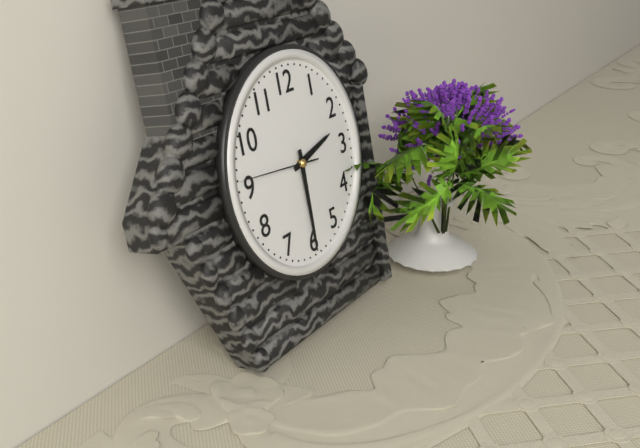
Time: **2:30:46**
